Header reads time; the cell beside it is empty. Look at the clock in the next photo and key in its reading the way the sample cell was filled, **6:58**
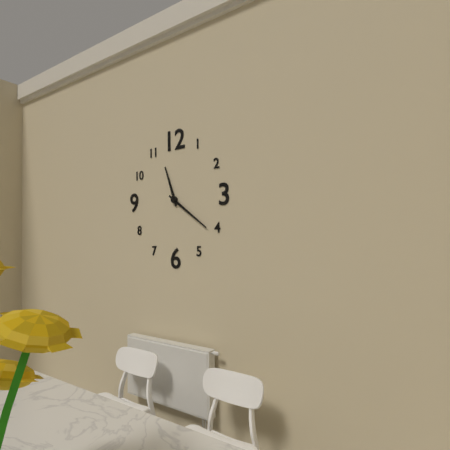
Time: **11:21**
